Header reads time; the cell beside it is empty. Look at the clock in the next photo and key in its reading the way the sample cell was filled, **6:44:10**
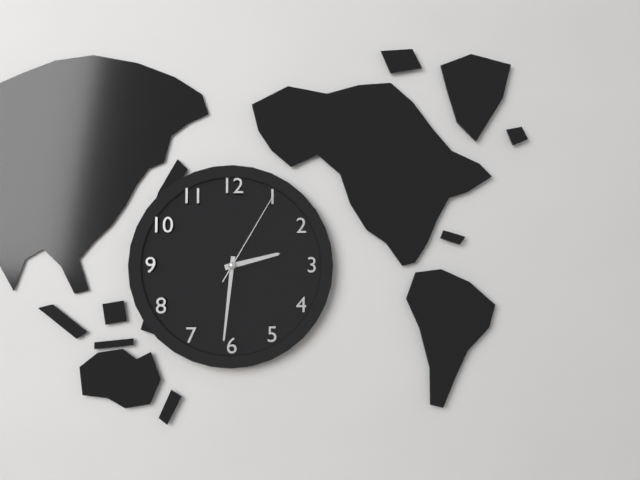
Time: **2:31:05**
